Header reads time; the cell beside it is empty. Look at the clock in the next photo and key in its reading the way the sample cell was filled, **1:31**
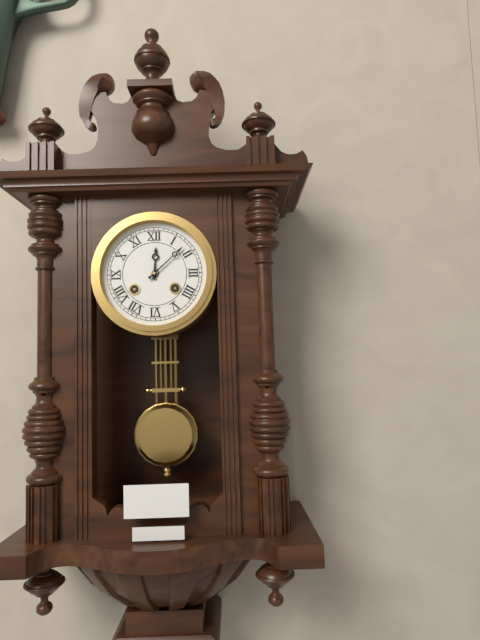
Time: **12:08**
